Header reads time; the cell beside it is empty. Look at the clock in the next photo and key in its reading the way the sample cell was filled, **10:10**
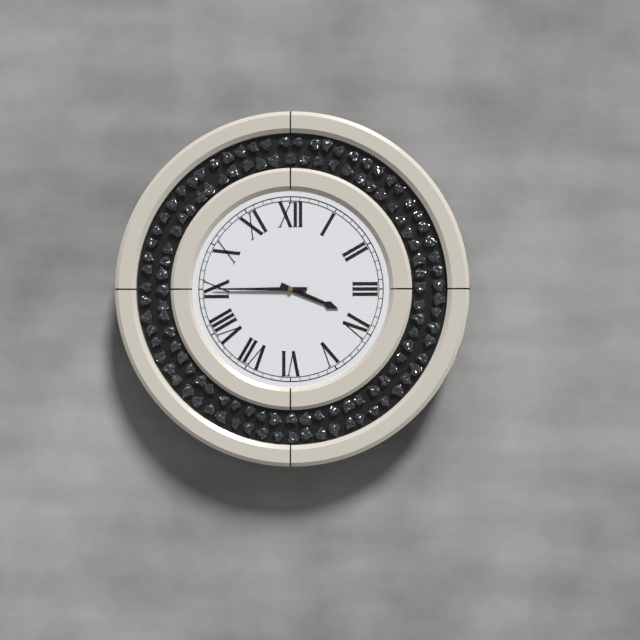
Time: **3:45**
